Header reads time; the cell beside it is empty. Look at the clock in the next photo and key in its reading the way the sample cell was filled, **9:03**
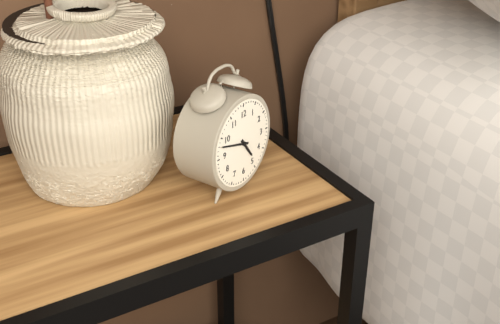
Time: **4:48**
